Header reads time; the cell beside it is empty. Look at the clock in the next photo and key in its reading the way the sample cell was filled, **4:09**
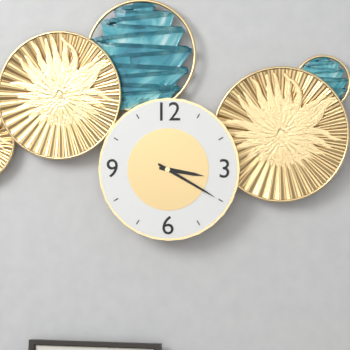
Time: **3:20**
